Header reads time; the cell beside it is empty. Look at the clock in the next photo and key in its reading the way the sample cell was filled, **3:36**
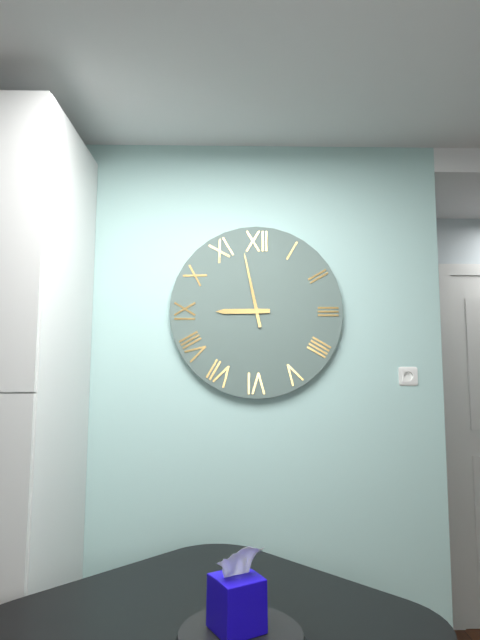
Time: **8:58**
